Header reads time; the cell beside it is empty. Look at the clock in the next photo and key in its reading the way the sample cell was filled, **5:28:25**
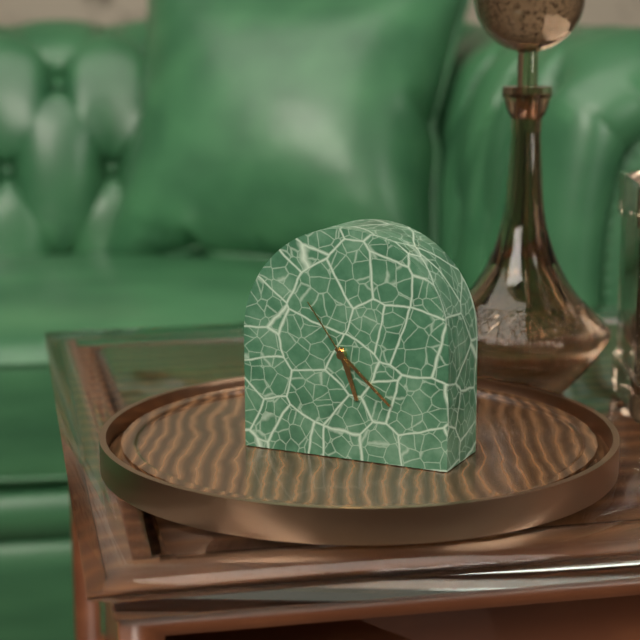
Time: **5:22:54**
